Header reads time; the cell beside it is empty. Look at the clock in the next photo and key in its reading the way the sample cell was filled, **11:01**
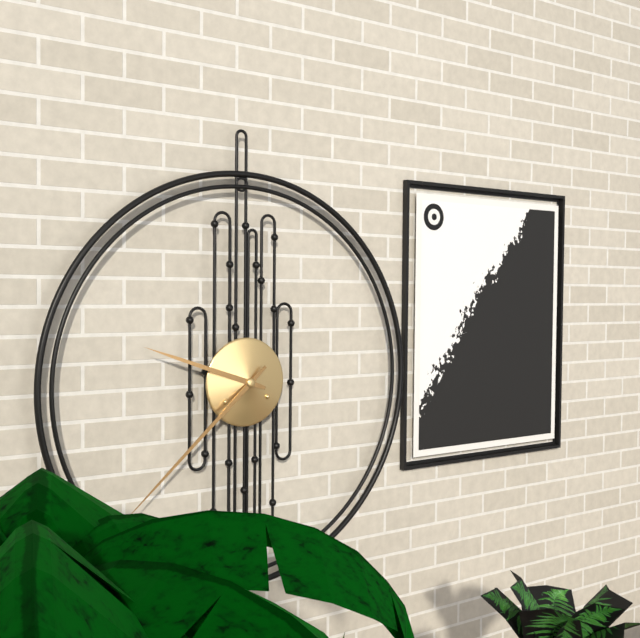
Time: **9:38**
